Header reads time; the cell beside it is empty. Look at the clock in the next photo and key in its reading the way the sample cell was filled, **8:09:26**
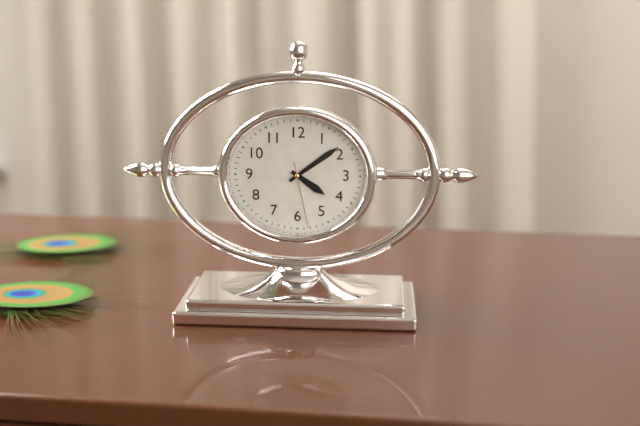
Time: **4:09:28**
